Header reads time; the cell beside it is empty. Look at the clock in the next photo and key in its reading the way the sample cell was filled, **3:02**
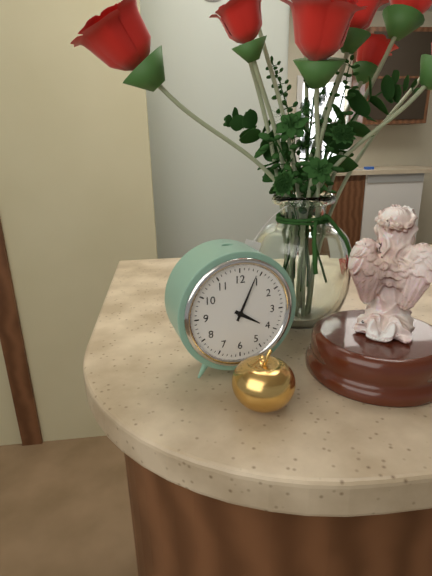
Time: **4:04**
